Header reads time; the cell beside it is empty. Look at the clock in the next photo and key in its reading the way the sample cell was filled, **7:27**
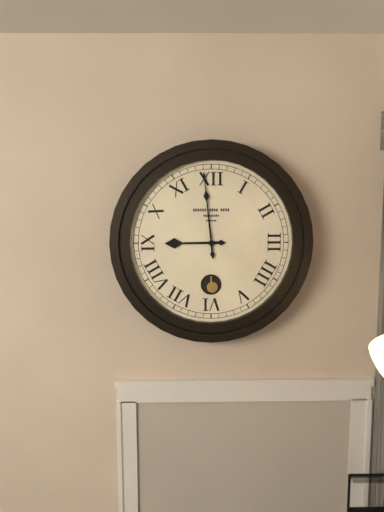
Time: **8:59**
